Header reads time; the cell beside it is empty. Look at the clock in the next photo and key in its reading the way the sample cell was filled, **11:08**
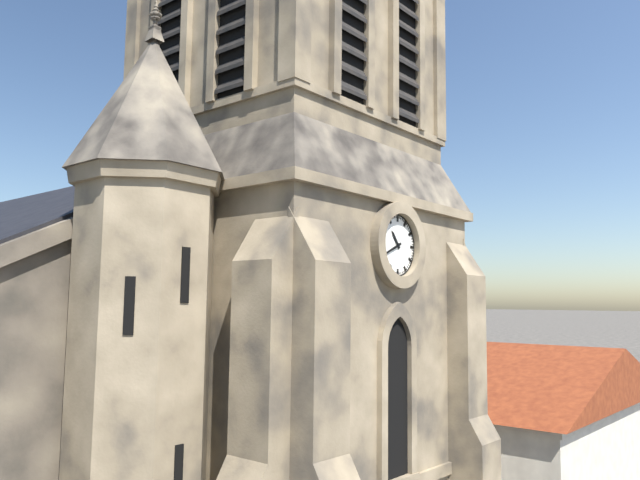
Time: **10:41**
